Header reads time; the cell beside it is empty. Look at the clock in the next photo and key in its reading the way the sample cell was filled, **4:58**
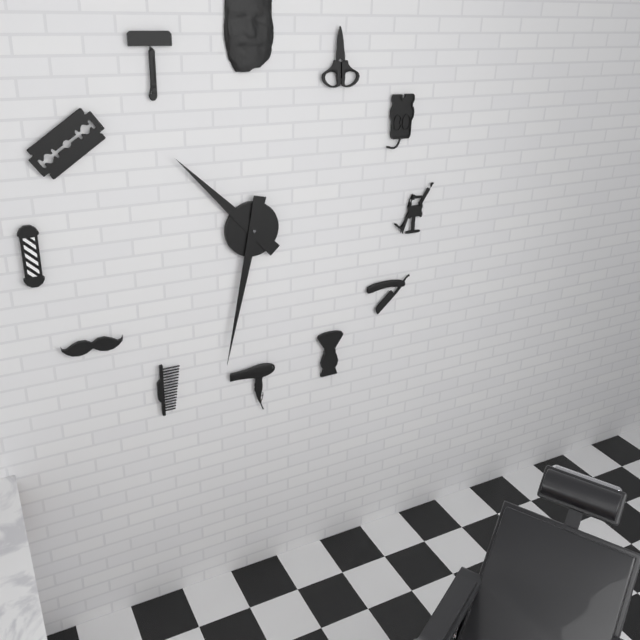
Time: **10:32**
